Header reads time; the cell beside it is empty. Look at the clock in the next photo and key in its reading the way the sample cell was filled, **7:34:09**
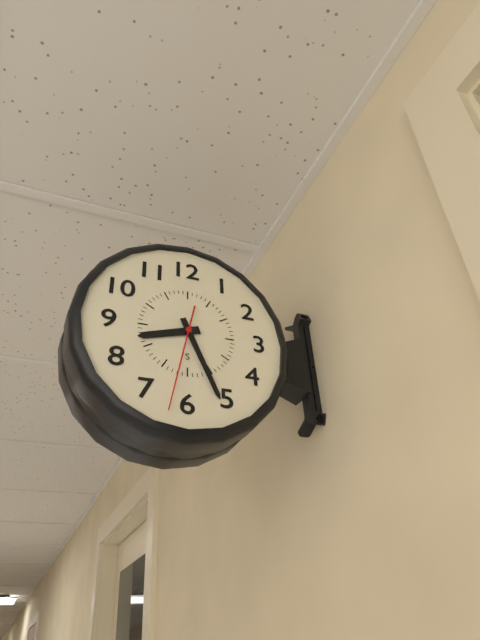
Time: **8:26:32**
